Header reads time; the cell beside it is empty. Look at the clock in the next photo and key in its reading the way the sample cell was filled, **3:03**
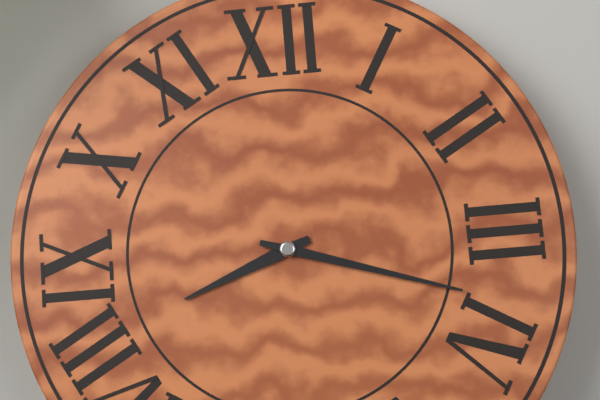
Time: **8:18**
